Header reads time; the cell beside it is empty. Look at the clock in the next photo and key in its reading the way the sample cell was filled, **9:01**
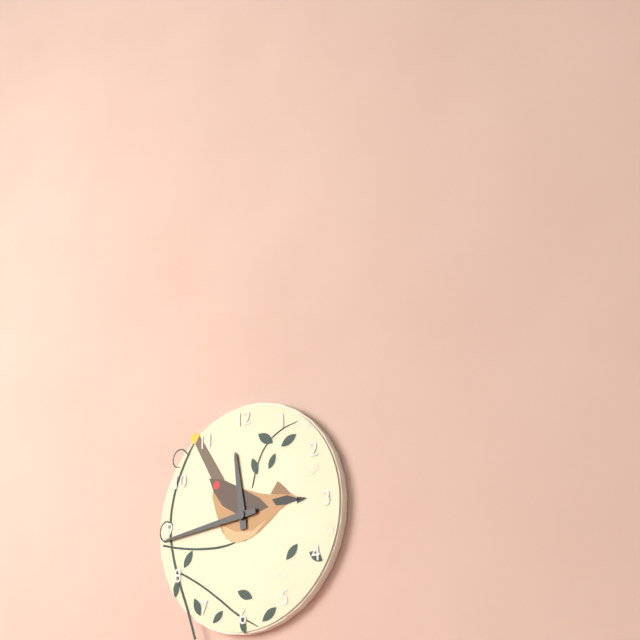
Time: **11:44**
